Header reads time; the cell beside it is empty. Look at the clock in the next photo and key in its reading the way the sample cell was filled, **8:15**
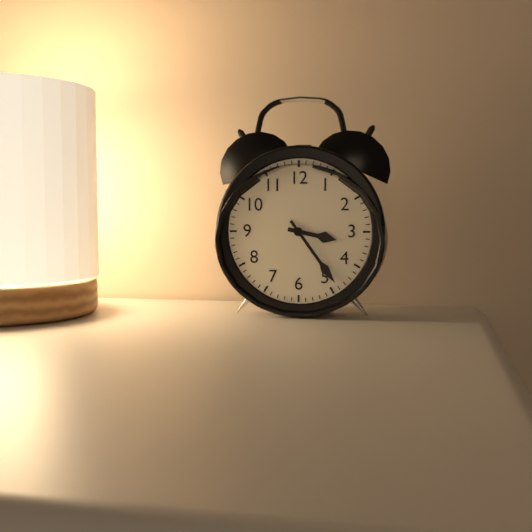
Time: **3:24**
